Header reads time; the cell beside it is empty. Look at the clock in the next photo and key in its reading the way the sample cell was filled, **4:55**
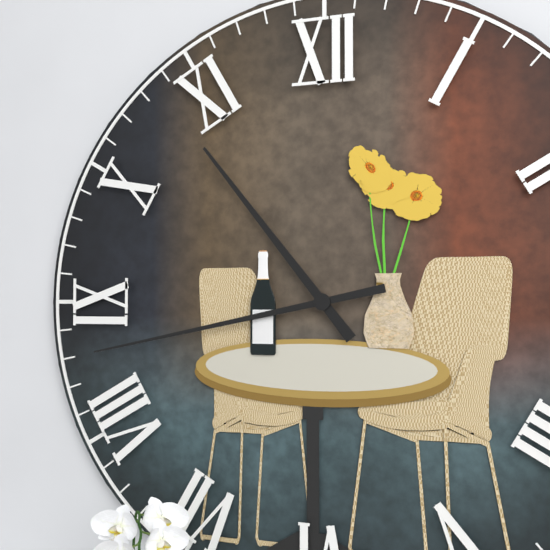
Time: **10:43**
